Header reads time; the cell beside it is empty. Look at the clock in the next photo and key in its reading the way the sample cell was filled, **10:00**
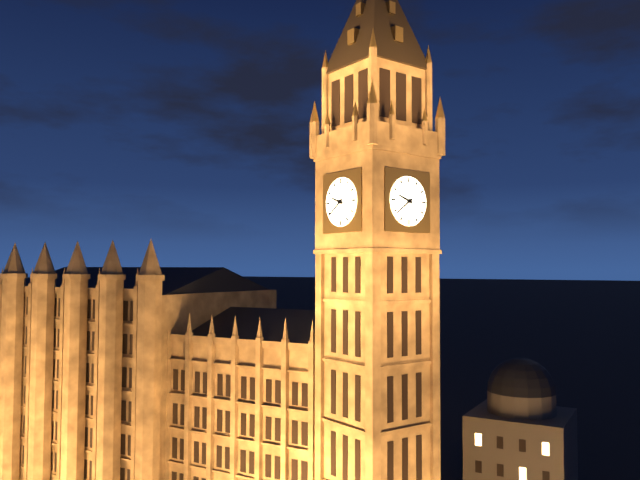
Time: **9:39**
